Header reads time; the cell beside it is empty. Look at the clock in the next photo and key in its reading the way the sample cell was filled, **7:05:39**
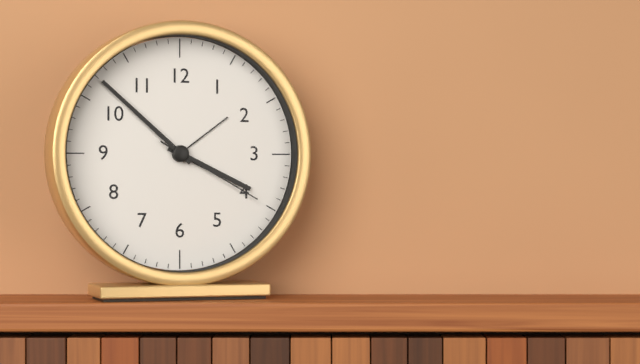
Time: **3:52:20**
